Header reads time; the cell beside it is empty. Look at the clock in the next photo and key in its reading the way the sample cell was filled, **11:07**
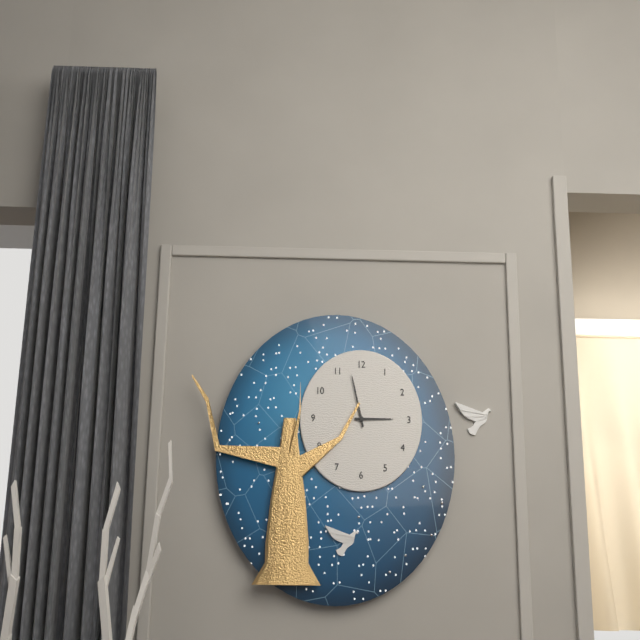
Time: **2:58**
